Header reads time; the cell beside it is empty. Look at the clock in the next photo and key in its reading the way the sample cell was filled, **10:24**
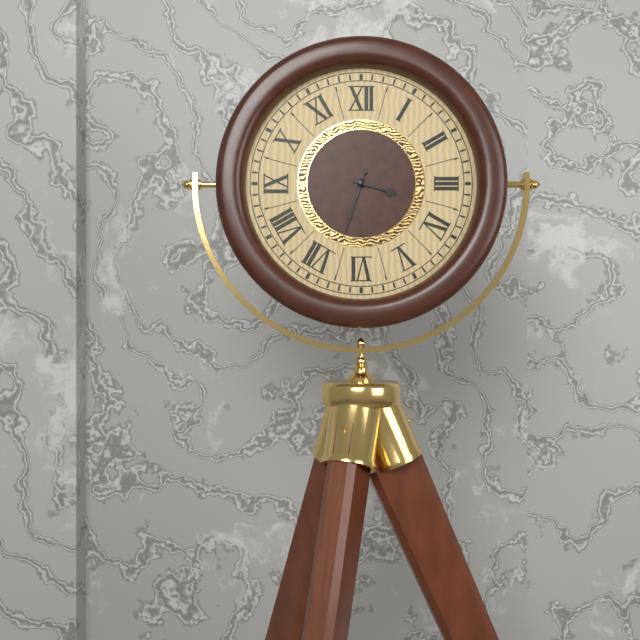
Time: **3:33**
